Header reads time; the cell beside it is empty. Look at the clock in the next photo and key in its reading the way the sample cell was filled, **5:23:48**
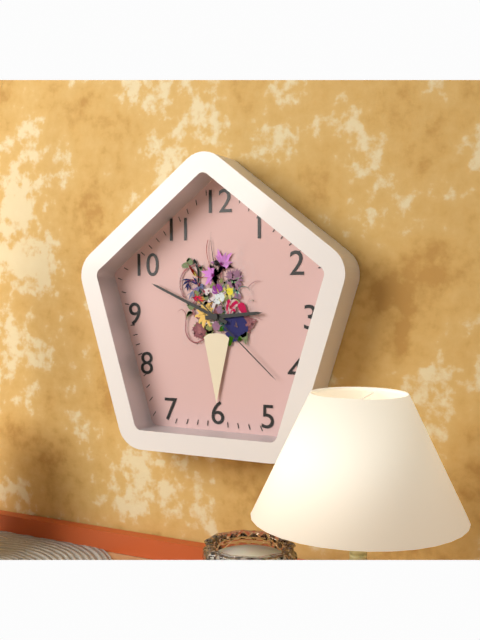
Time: **2:49:22**
